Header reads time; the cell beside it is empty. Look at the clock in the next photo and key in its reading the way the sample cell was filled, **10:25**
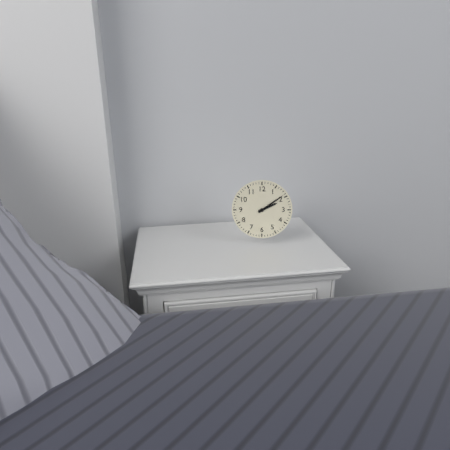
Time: **2:09**
